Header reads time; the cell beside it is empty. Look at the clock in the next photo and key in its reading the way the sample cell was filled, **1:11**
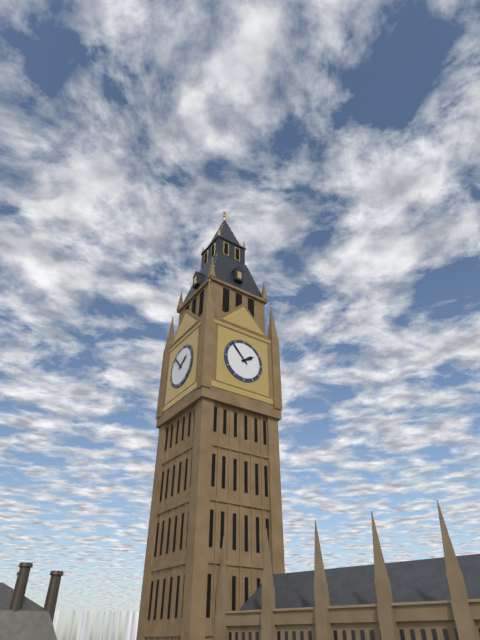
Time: **1:53**
